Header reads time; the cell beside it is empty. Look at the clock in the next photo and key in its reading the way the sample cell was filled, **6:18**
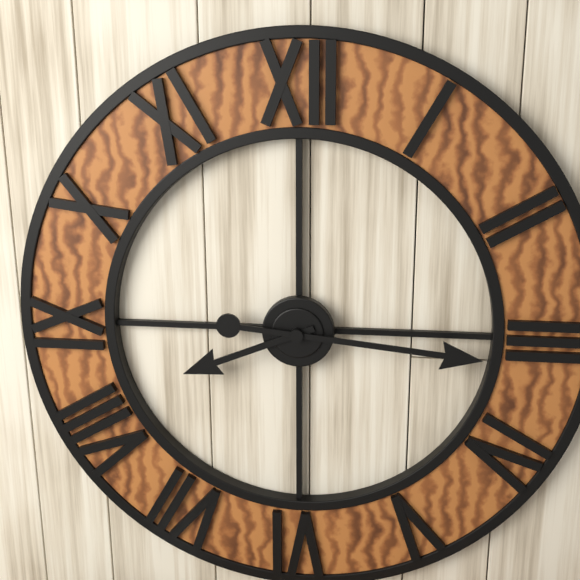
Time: **8:16**
